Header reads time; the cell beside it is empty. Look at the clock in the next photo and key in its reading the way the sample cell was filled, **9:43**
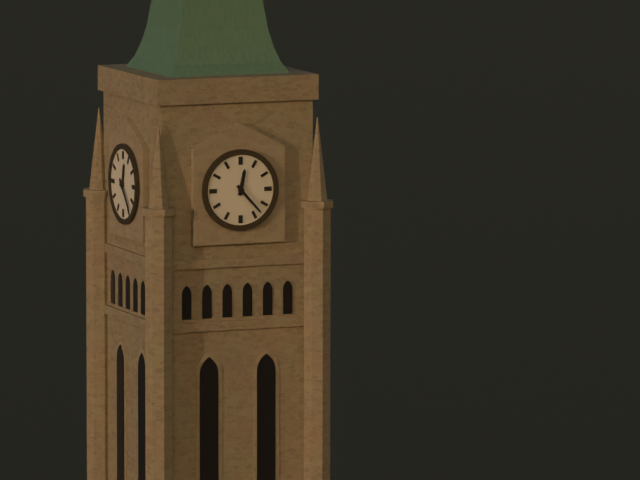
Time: **12:23**
